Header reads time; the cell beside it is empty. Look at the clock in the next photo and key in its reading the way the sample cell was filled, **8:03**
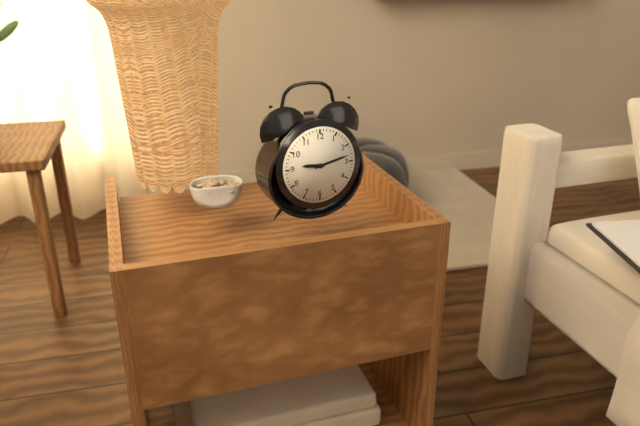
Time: **9:13**
